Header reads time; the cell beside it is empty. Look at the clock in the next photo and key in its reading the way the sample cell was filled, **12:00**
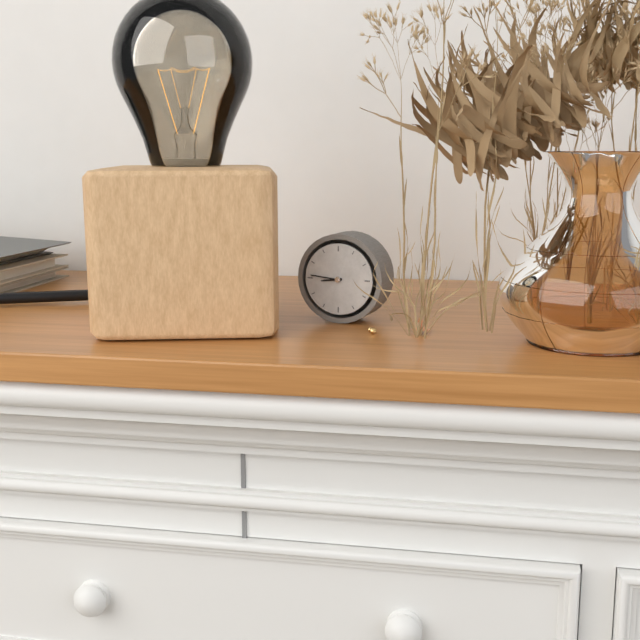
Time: **8:46**
